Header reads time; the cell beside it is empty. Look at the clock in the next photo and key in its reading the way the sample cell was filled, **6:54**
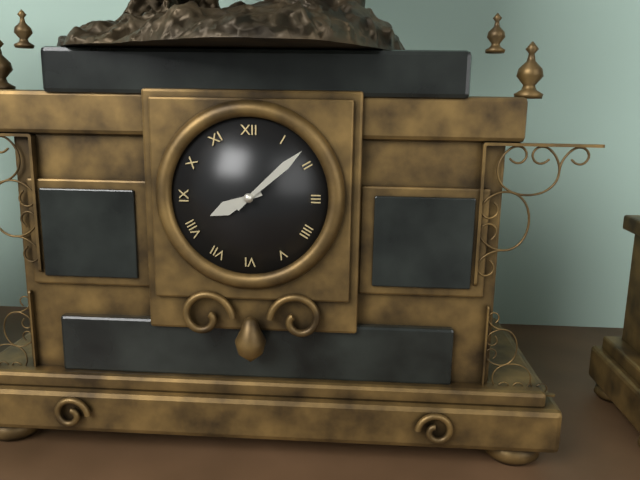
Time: **8:08**
